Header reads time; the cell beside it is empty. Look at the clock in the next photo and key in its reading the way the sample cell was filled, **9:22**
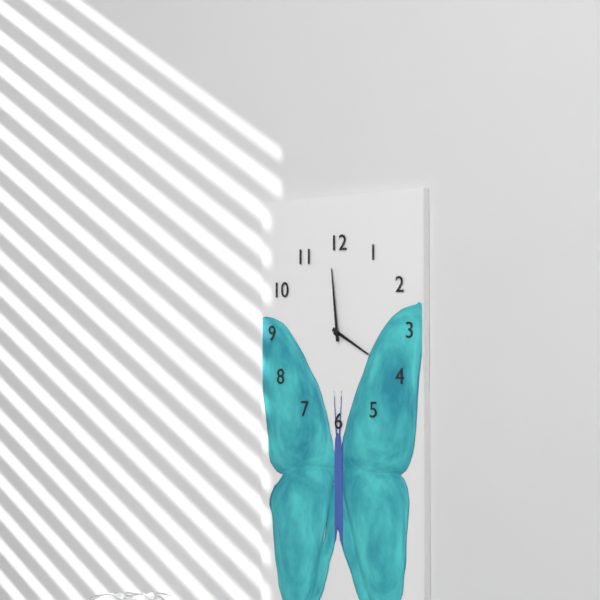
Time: **3:59**
